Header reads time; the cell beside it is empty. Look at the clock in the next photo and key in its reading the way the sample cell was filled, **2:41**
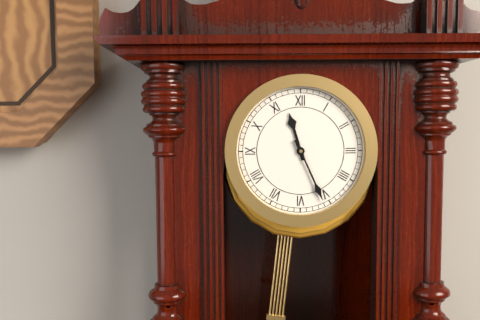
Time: **11:26**
